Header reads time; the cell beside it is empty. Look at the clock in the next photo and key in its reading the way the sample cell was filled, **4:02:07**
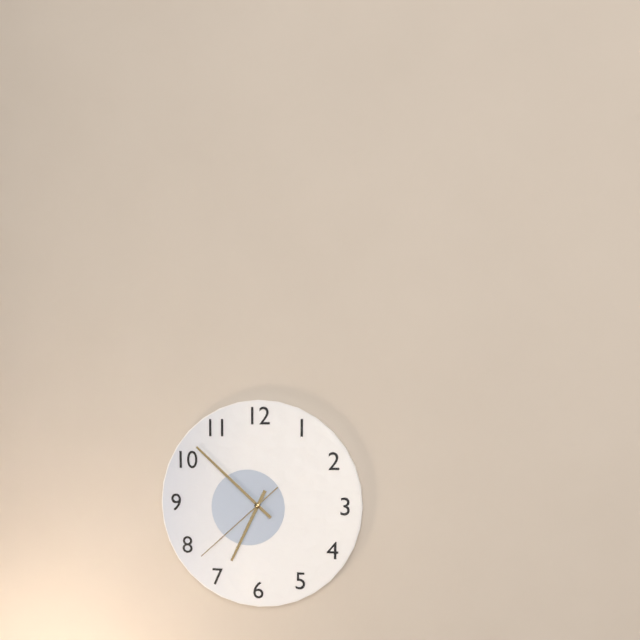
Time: **6:52:38**
